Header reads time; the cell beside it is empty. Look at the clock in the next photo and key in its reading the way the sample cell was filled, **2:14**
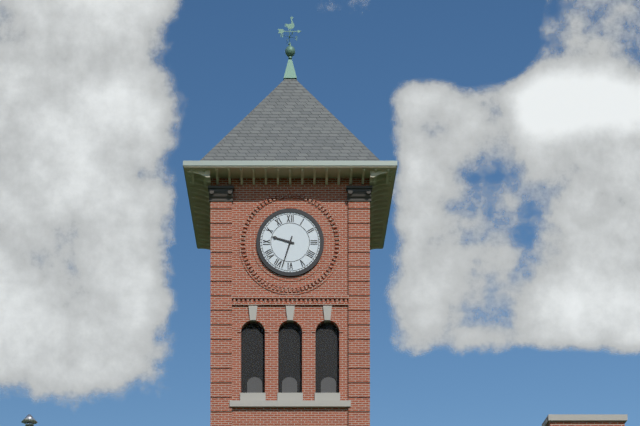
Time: **9:33**
